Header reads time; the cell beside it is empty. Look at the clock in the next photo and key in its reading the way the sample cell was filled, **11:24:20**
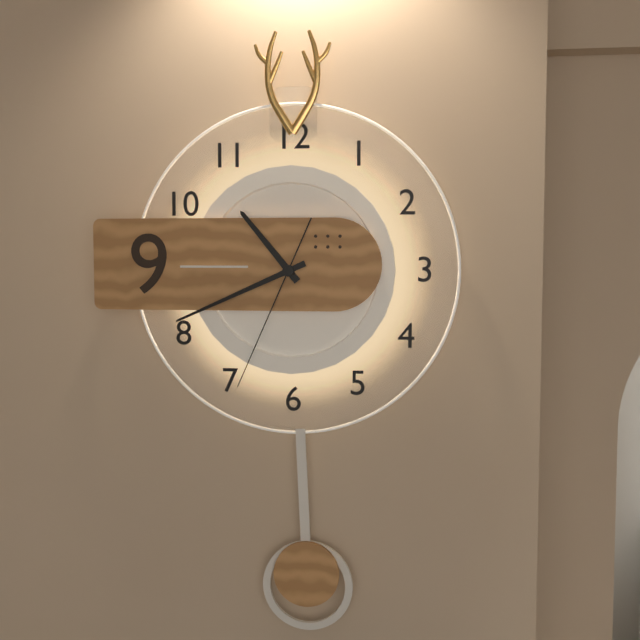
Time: **10:41:34**
